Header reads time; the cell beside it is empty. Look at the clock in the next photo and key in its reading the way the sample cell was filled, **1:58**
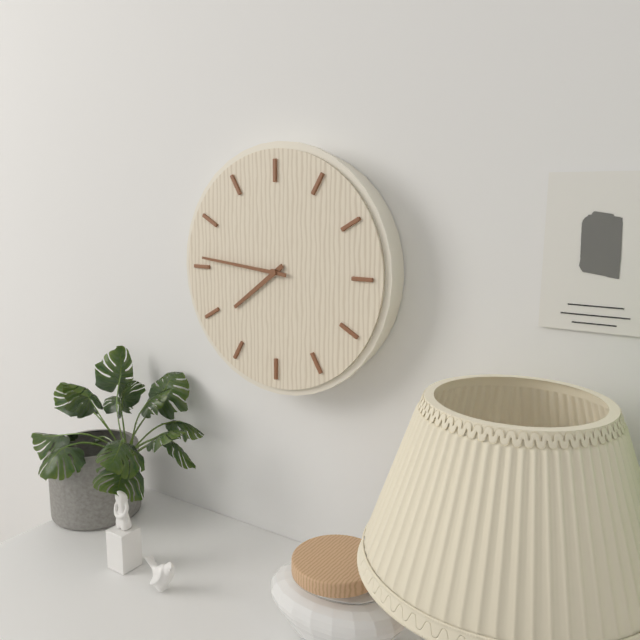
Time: **7:46**
